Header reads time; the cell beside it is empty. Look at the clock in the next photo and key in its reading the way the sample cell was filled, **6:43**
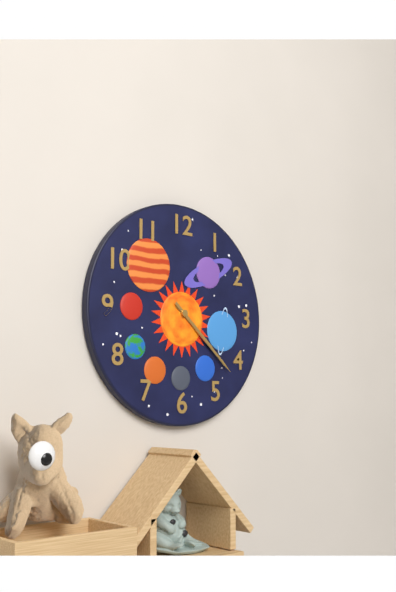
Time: **4:22**
